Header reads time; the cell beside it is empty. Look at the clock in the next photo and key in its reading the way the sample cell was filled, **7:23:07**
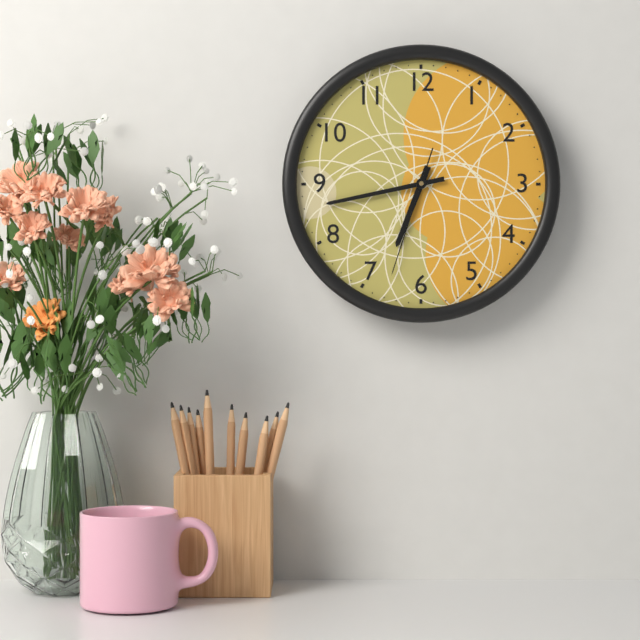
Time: **6:43:33**
